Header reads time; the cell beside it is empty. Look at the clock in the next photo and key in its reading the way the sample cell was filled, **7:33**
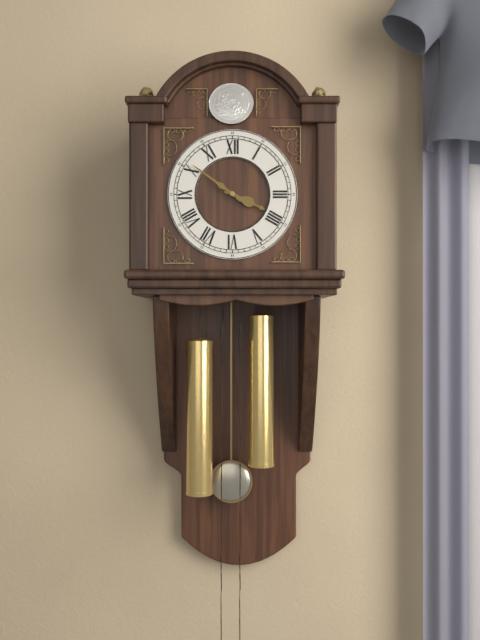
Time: **3:51**
